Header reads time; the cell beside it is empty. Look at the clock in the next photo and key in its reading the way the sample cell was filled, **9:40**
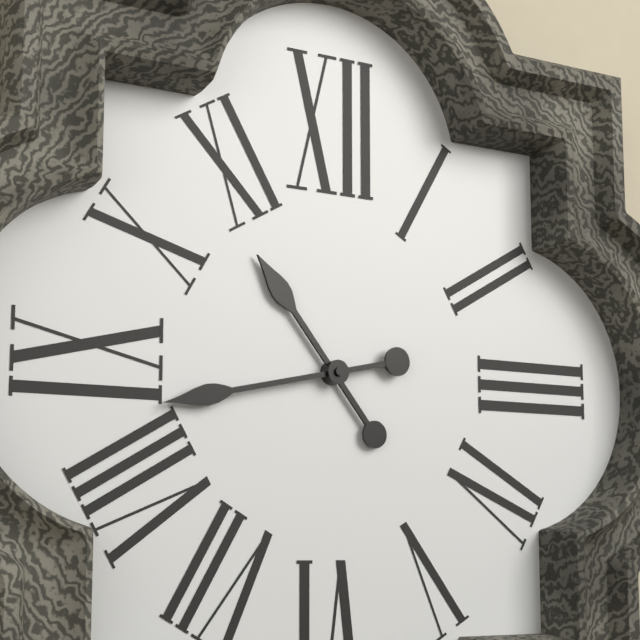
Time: **10:43**
